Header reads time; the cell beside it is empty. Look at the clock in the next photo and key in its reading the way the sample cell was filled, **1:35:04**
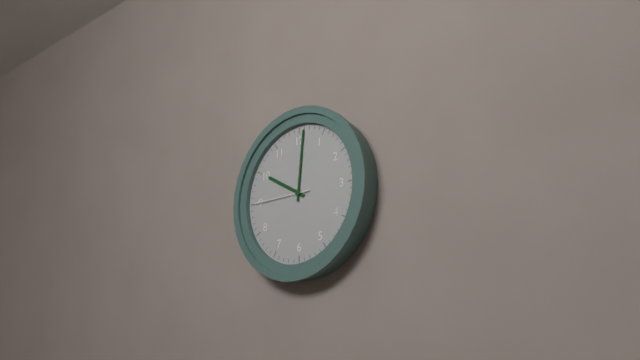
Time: **10:01:45**
